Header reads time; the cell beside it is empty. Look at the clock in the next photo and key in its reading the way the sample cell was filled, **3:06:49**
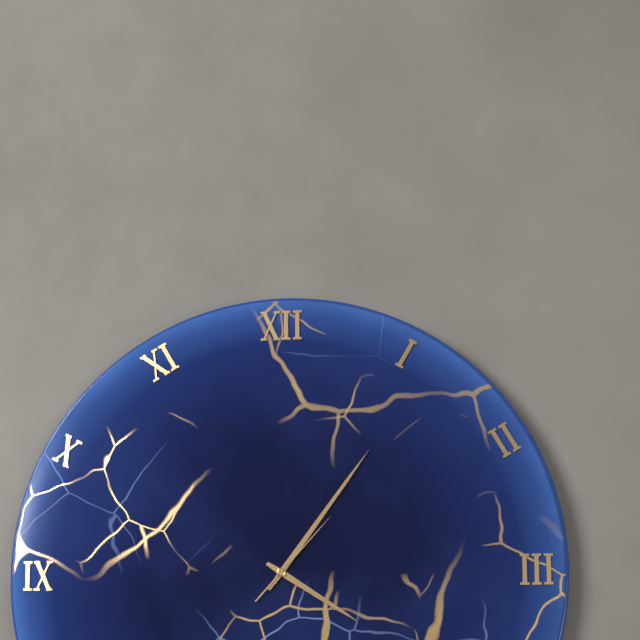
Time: **4:06:07**
